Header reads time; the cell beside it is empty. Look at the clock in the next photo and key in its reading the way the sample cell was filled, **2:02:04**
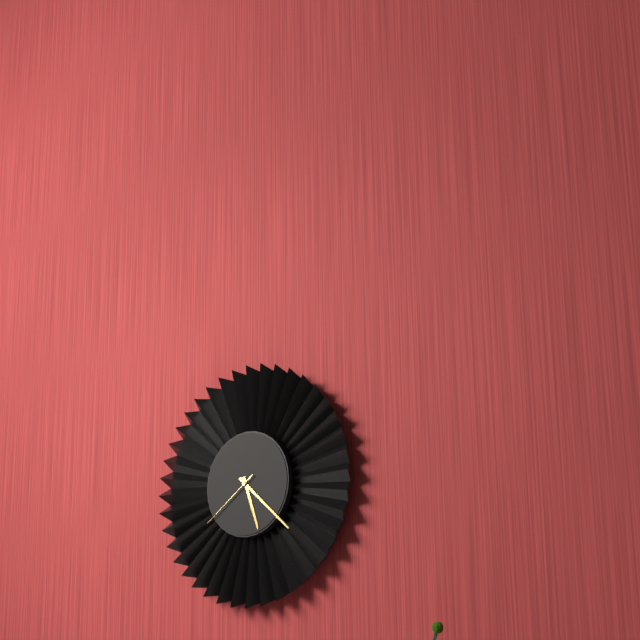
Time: **5:22:39**
